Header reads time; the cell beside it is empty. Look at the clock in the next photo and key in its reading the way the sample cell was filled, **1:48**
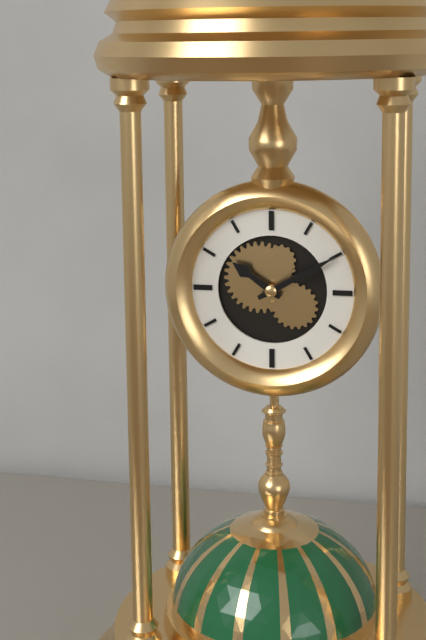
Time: **10:10**
